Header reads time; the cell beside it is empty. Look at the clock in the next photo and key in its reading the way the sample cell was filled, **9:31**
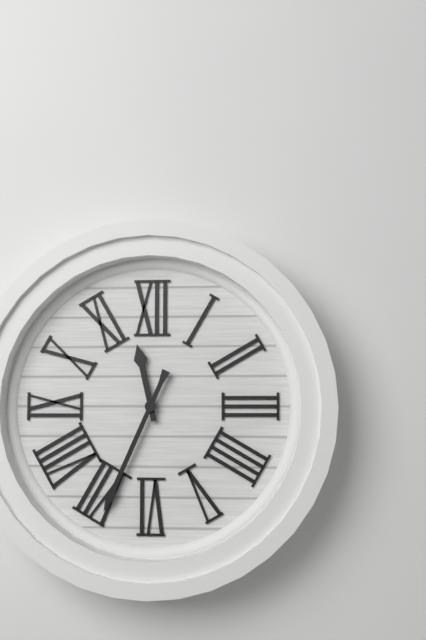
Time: **11:34**
